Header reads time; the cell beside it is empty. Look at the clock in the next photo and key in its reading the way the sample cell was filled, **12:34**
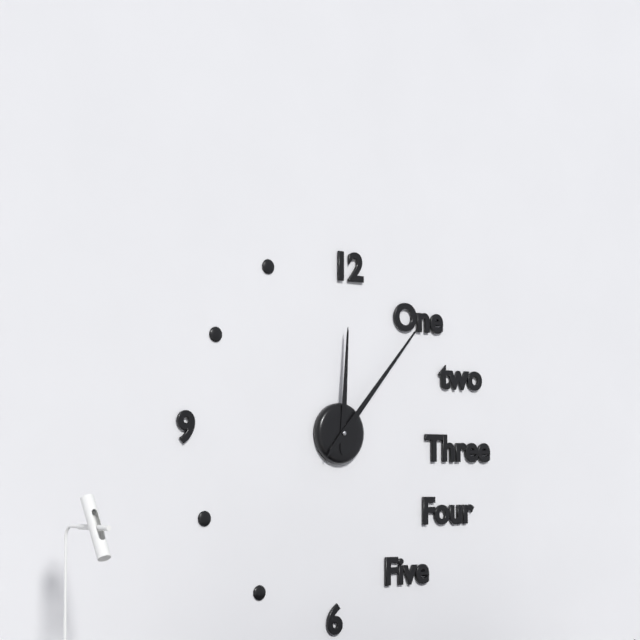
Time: **12:07**
